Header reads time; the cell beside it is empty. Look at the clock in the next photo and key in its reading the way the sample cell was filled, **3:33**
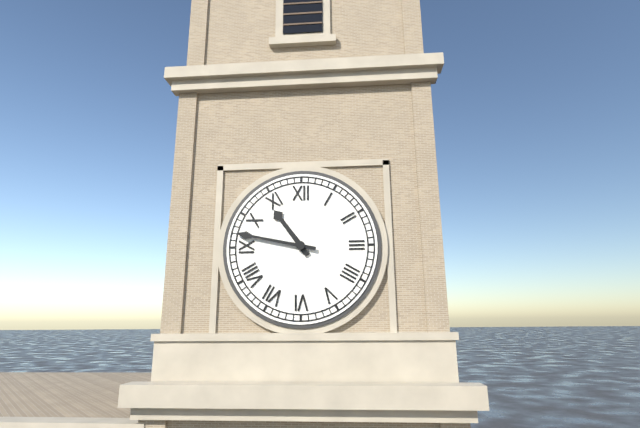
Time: **10:47**
